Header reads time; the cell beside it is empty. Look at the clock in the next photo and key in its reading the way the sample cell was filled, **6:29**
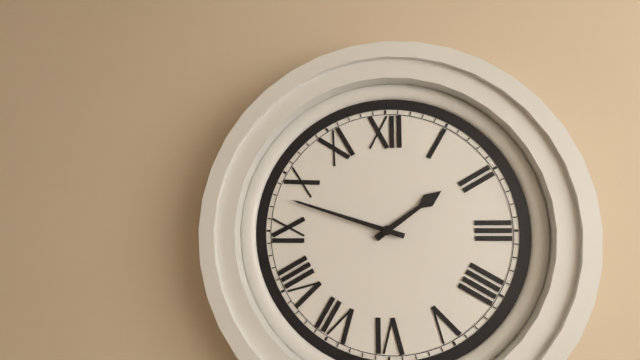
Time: **1:48**
